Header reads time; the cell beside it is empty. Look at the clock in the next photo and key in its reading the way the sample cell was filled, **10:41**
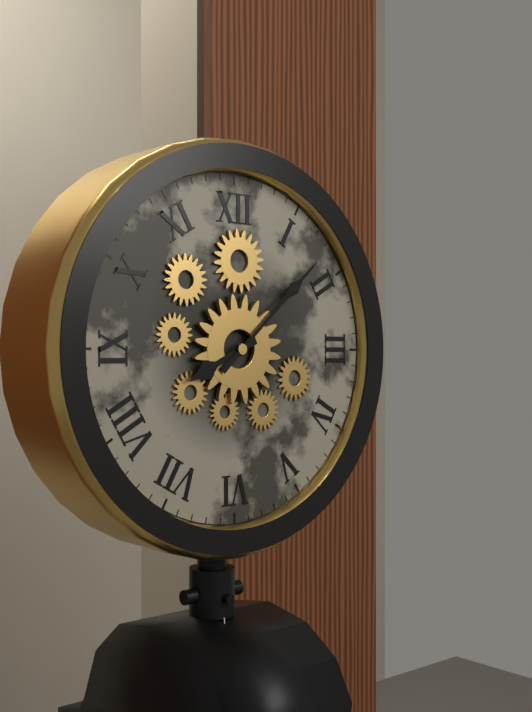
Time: **8:08**
